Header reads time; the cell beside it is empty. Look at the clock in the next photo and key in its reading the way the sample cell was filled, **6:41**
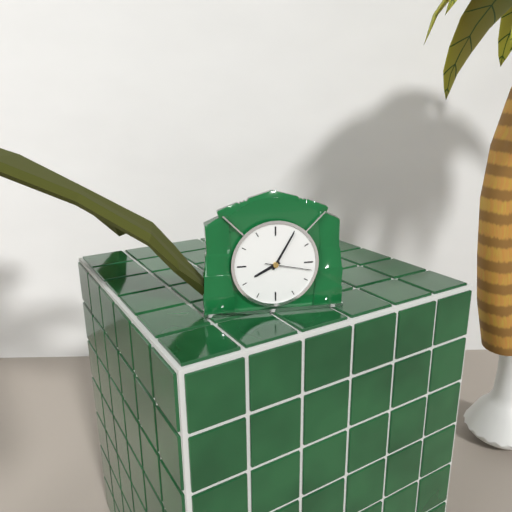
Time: **8:05**
